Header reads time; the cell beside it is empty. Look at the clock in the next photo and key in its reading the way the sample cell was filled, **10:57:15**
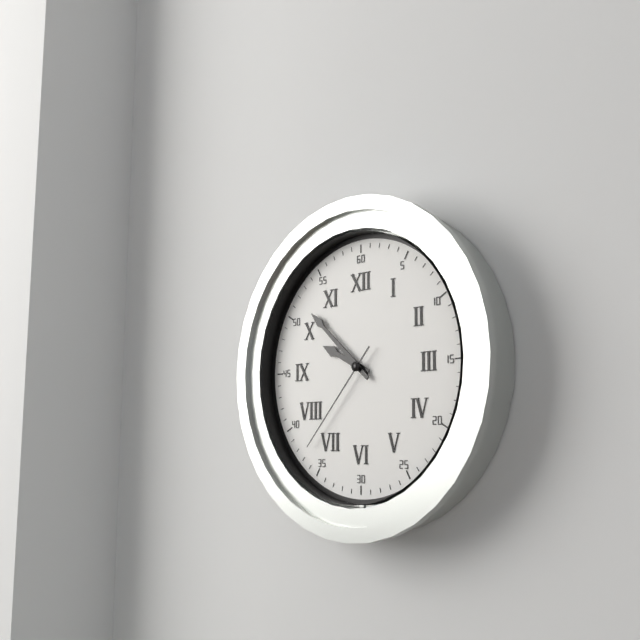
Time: **9:52:37**
